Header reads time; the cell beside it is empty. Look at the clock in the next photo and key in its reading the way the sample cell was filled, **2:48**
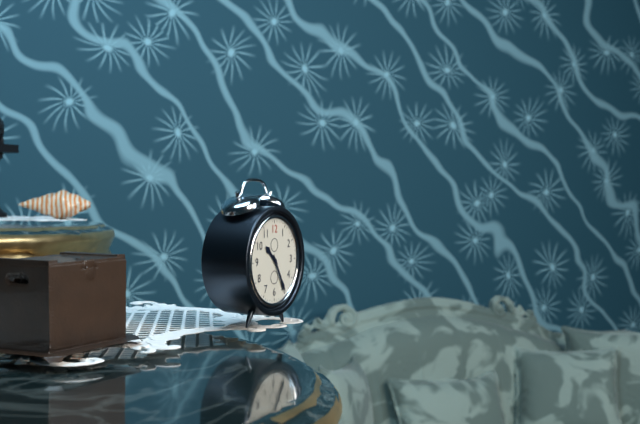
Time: **10:25**
